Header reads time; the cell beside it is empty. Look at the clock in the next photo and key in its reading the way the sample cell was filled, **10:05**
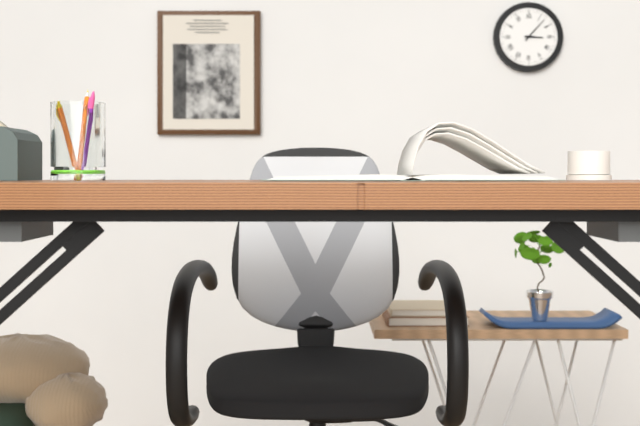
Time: **3:07**
